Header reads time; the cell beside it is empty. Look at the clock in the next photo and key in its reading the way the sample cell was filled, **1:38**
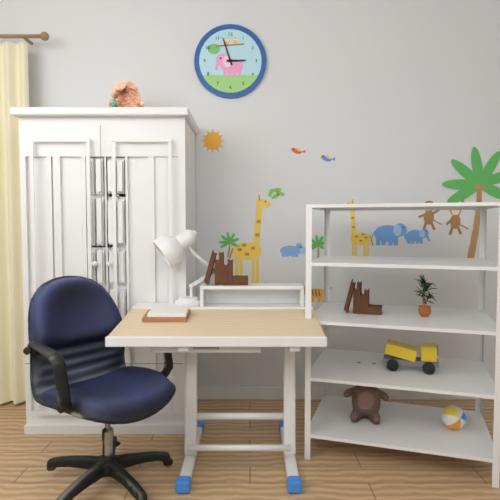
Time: **2:57**
